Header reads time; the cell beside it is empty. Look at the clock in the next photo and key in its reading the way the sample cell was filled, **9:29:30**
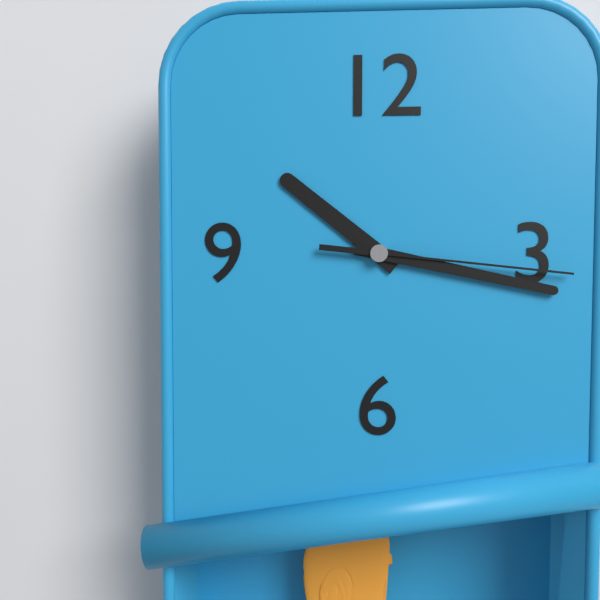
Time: **10:17:16**
